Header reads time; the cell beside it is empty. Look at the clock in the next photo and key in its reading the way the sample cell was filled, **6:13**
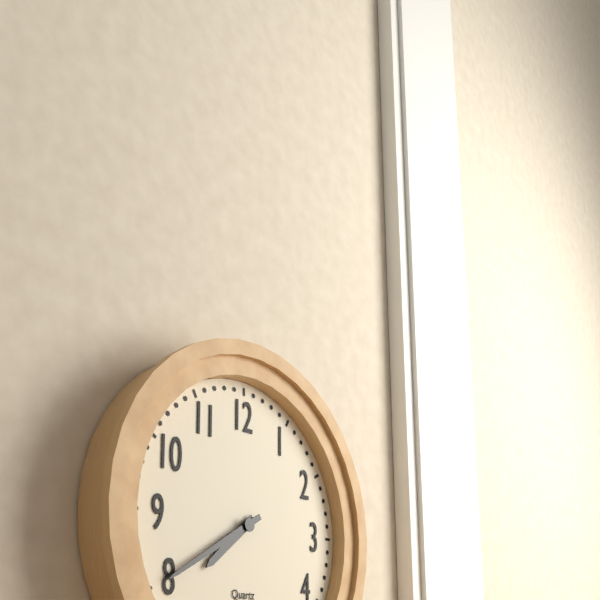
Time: **7:40**
